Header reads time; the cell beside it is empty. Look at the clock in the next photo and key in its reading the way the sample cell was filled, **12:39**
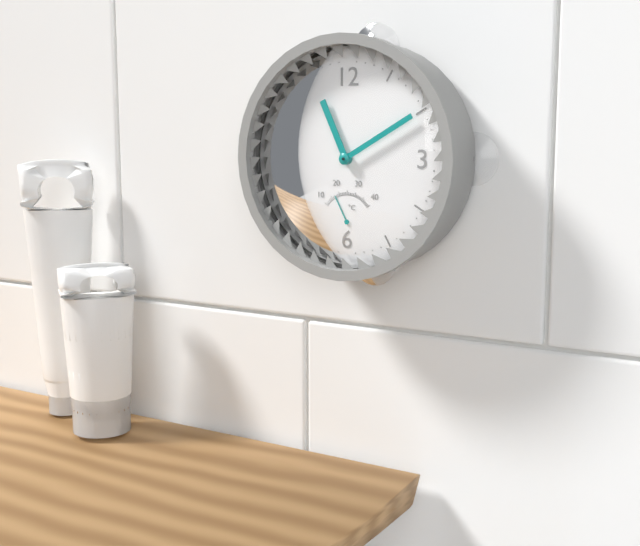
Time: **11:10**
